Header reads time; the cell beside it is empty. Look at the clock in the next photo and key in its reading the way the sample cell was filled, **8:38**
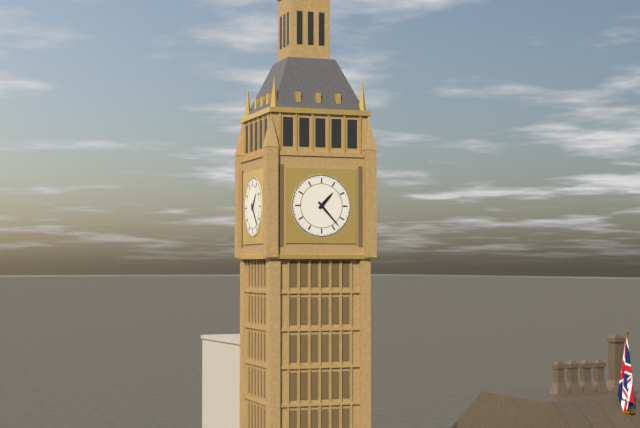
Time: **1:23**
